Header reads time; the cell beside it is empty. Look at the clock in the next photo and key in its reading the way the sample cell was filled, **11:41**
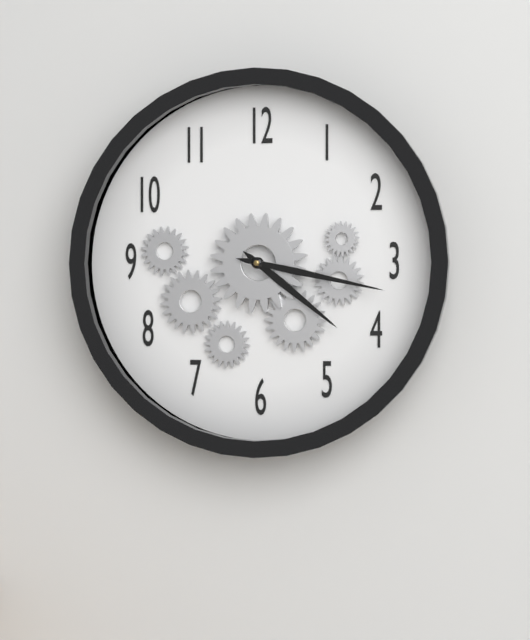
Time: **4:17**
